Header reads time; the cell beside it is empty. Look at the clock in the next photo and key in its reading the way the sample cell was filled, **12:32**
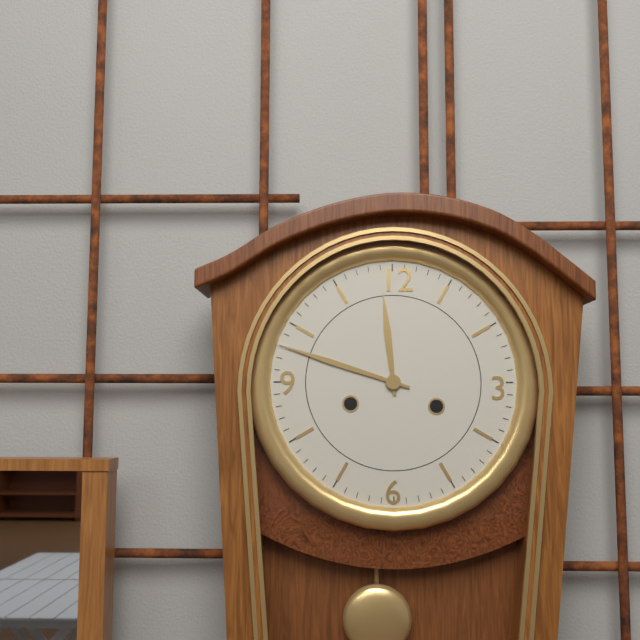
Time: **11:48**
